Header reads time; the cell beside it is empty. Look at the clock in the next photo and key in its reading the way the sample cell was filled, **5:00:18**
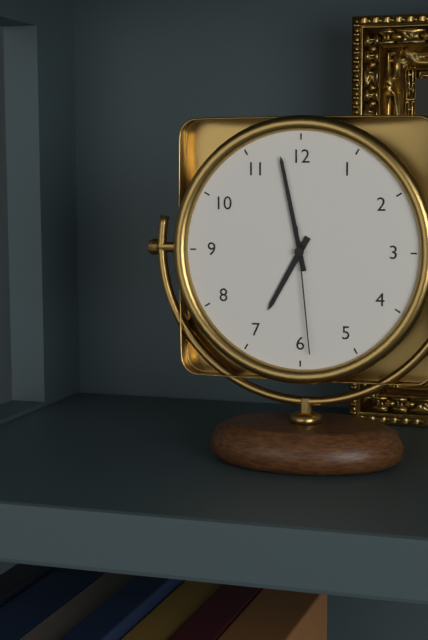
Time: **6:58:29**
